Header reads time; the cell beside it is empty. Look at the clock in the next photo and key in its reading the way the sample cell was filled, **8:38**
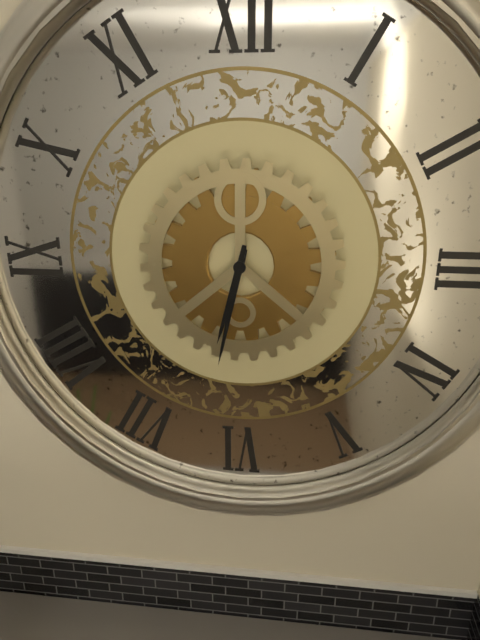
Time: **6:32**
